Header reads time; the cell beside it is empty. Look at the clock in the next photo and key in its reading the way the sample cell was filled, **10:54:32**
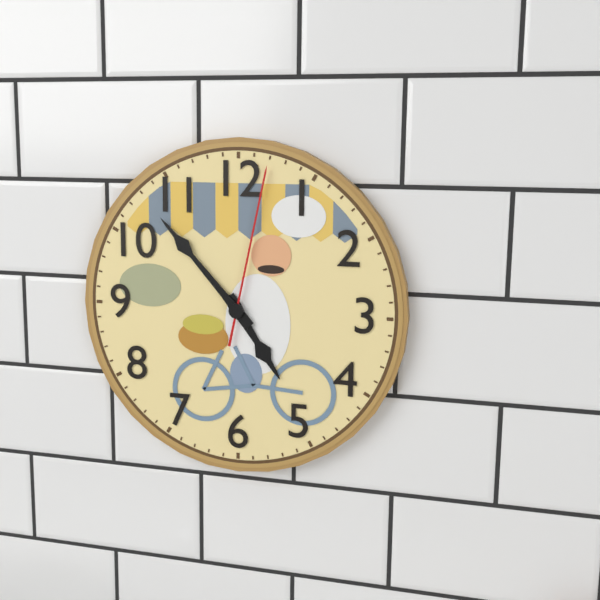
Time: **4:53:02**
